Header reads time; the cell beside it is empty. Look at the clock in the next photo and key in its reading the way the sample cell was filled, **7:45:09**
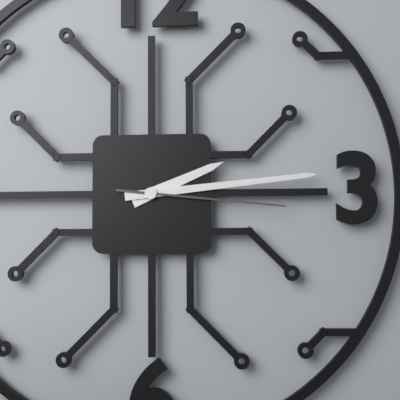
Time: **2:14:16**
